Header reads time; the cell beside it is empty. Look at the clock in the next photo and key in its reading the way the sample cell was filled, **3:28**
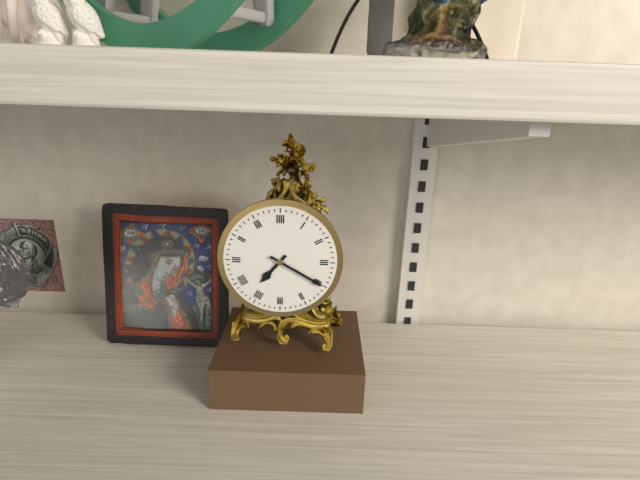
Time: **7:20**
